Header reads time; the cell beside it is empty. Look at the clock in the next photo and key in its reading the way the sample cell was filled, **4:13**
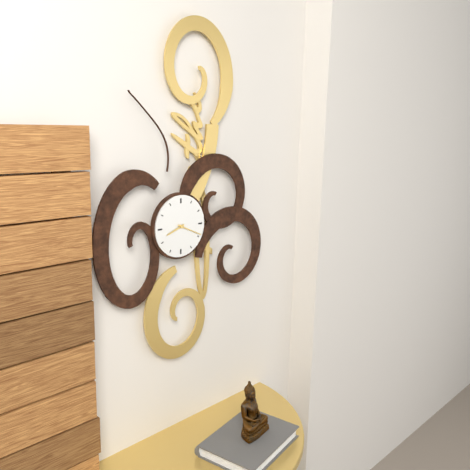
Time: **8:19**
